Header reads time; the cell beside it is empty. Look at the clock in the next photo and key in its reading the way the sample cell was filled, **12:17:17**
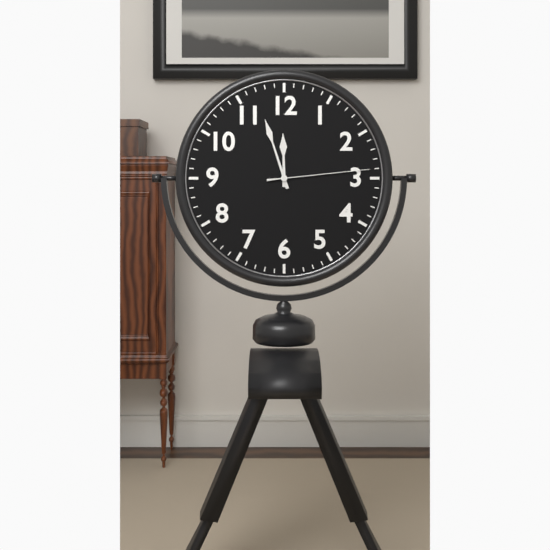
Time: **11:57:14**
